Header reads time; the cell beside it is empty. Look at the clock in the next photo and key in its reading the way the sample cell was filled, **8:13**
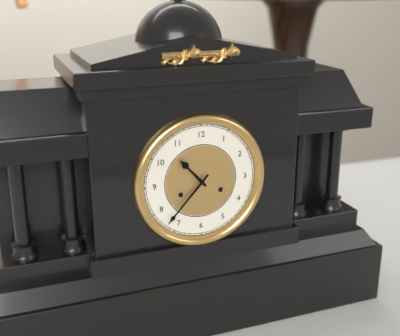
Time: **10:37**
